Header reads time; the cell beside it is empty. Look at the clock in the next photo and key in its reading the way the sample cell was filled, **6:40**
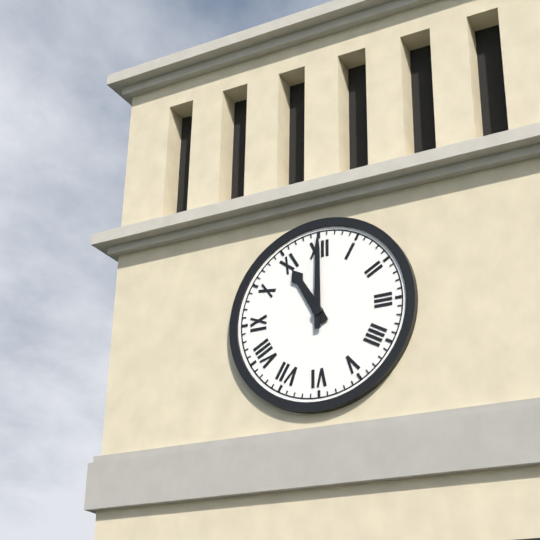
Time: **11:00**
